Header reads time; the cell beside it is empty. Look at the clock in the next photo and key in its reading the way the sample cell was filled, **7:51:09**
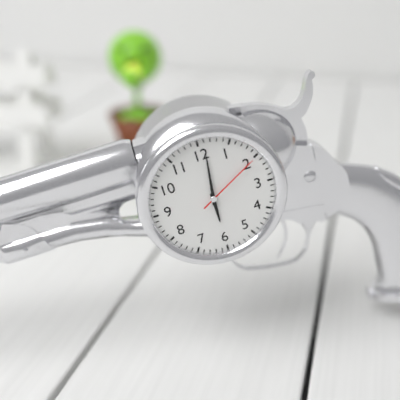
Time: **6:01:10**
